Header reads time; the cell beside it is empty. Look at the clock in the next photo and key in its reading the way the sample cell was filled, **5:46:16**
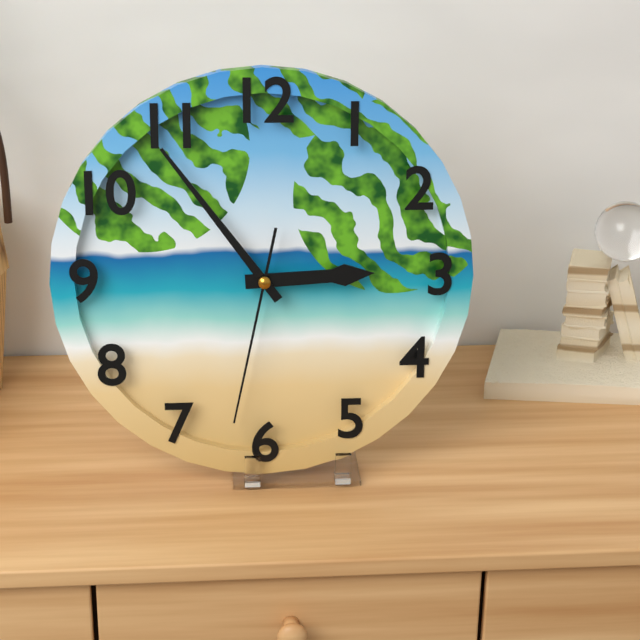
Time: **2:54:32**
